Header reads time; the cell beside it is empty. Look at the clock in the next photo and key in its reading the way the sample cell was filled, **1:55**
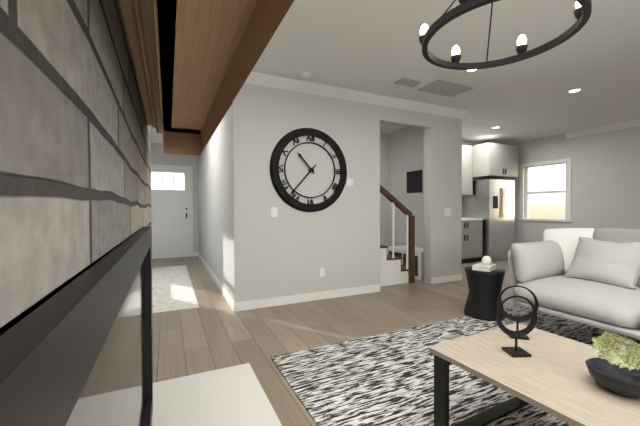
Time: **10:37**
